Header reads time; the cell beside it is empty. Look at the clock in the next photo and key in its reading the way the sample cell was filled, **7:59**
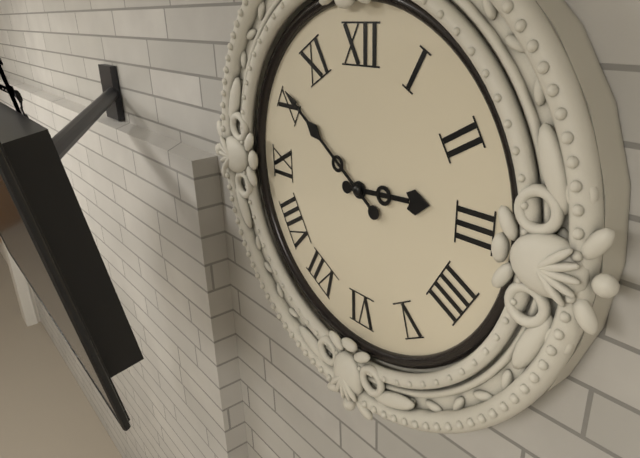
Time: **2:51**
